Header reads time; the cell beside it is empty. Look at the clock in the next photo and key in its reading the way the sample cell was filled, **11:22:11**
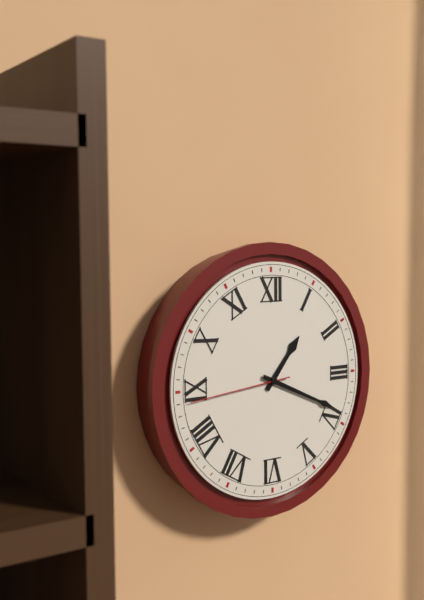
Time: **1:19:44**
